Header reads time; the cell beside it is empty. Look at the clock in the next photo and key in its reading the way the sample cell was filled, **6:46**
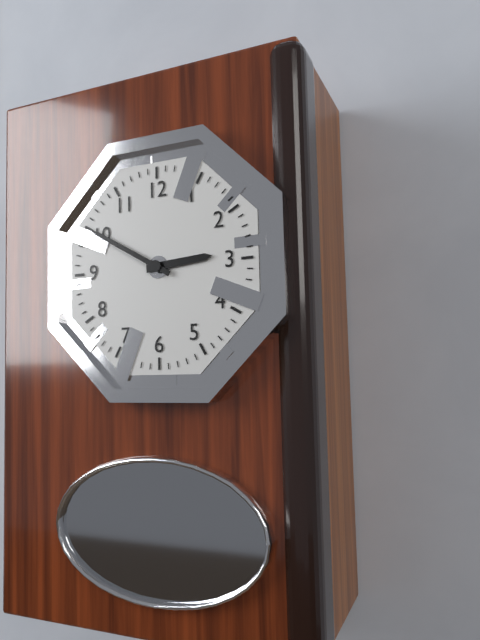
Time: **2:50**
